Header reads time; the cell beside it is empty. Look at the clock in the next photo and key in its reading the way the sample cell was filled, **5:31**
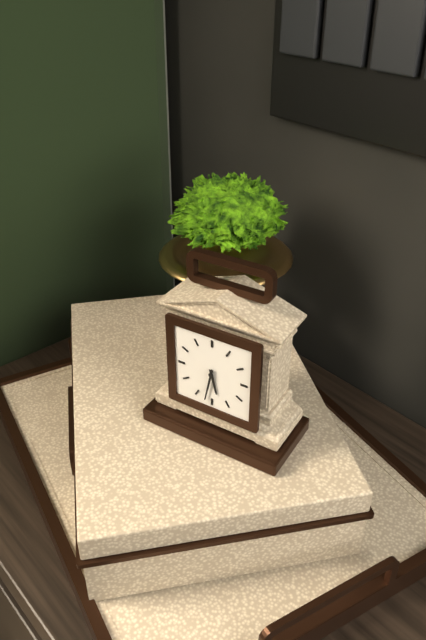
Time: **5:32**
